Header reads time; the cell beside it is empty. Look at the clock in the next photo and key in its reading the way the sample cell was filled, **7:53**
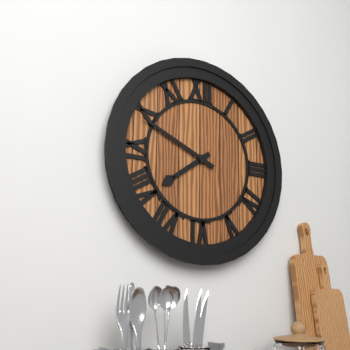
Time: **7:49**
